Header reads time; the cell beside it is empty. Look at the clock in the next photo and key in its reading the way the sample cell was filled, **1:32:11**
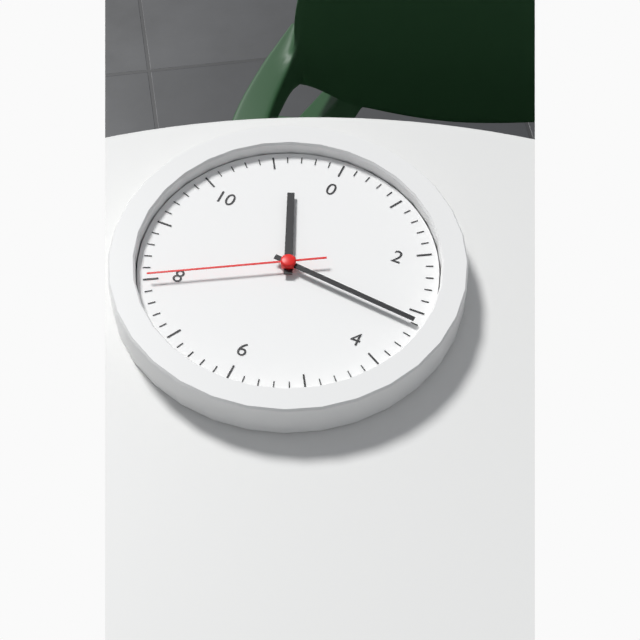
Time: **11:16:40**
